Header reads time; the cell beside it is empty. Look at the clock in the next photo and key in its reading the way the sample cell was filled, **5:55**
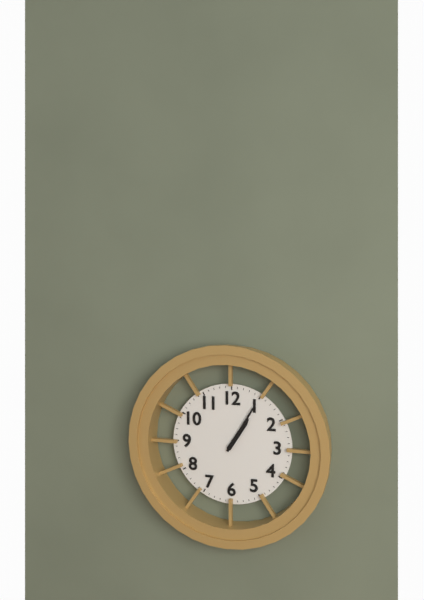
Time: **1:05**
